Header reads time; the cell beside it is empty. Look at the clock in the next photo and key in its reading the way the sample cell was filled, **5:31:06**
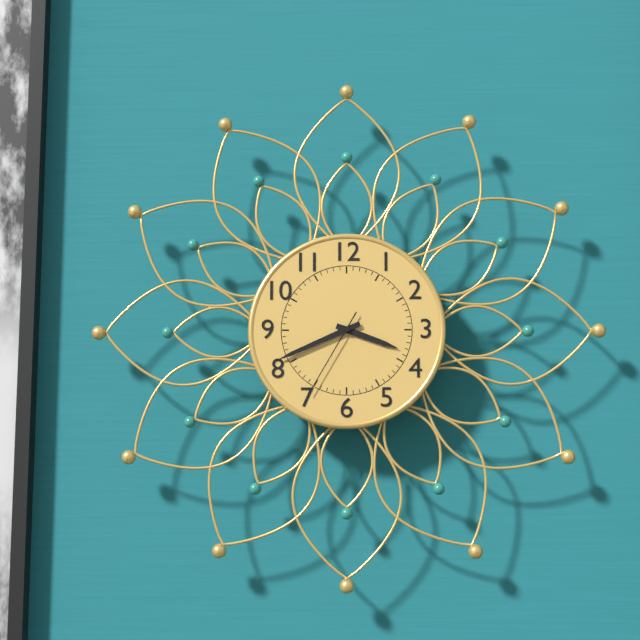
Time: **3:41:35**
